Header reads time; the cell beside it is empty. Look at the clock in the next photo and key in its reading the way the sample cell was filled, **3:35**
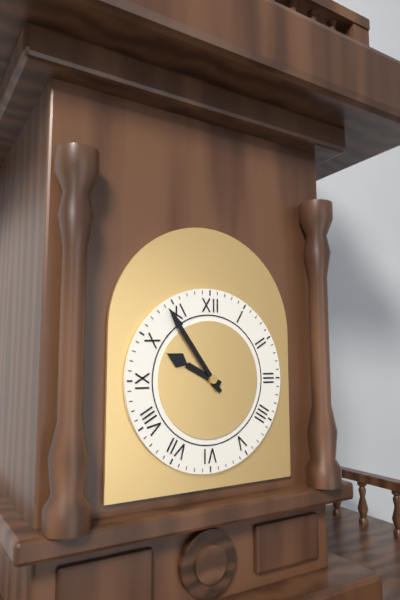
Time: **9:54**
